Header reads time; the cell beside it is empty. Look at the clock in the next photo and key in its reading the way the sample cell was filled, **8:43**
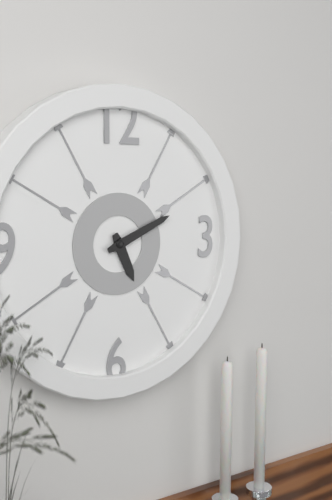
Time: **5:11**
